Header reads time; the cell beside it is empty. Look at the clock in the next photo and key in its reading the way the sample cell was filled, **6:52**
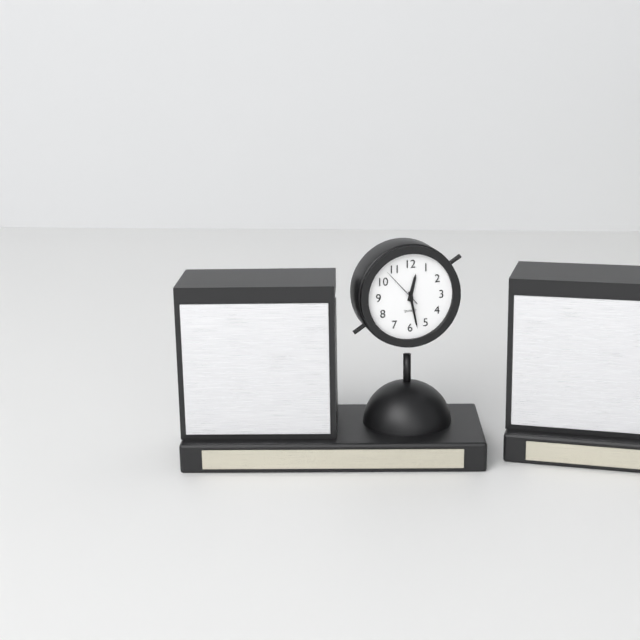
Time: **12:28**
